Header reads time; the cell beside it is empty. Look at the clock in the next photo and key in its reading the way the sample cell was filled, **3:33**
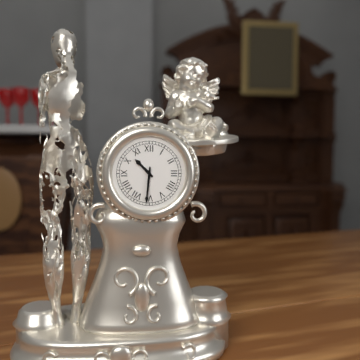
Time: **10:31**
